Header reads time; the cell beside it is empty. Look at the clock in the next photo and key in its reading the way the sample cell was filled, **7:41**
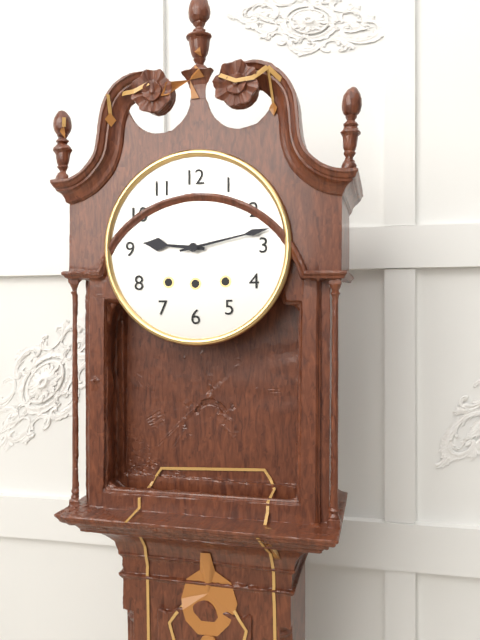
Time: **9:13**
